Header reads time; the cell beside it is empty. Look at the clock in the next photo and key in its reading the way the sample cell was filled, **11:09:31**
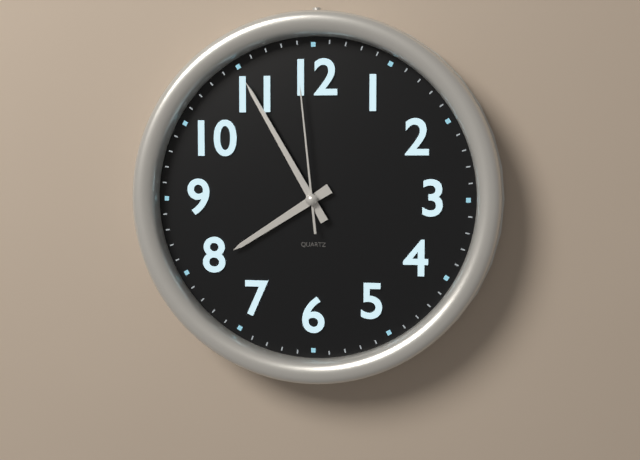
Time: **7:55:59**
